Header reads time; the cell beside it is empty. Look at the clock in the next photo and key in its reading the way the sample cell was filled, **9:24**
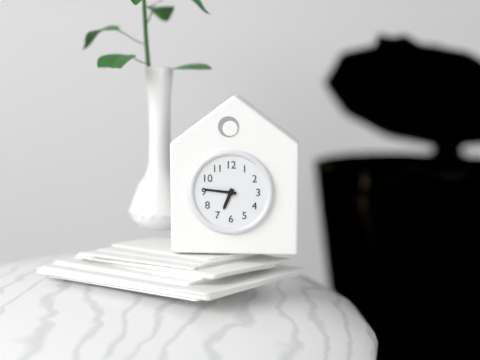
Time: **6:46**
